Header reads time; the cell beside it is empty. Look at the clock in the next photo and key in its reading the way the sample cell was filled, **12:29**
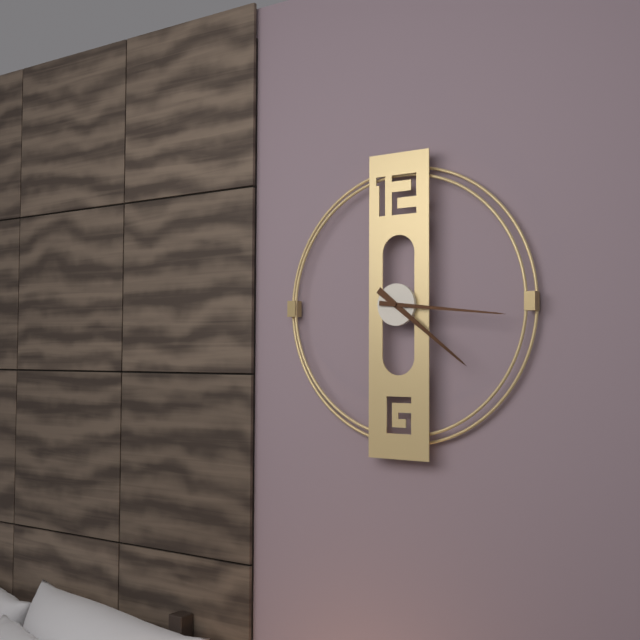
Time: **4:16**
